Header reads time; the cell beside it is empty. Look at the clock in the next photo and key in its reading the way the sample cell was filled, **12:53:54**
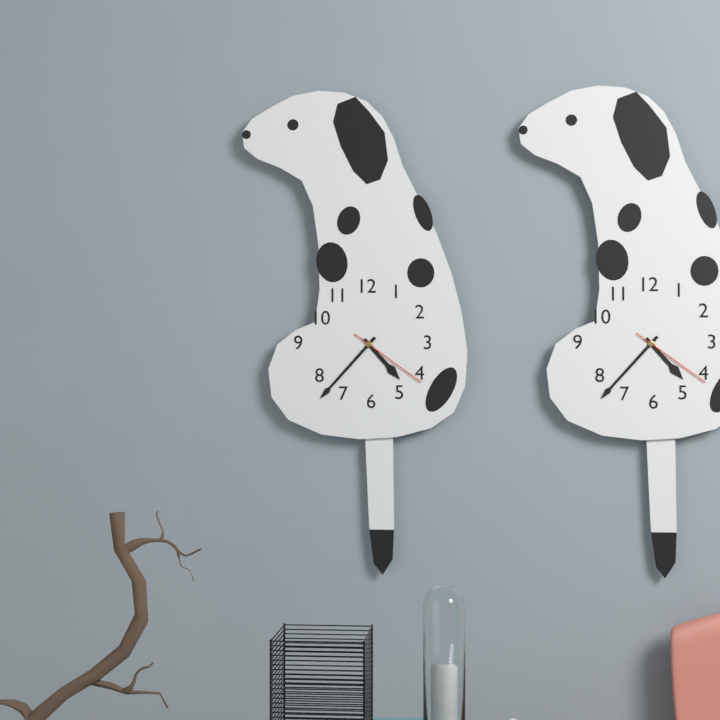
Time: **4:37:21**
